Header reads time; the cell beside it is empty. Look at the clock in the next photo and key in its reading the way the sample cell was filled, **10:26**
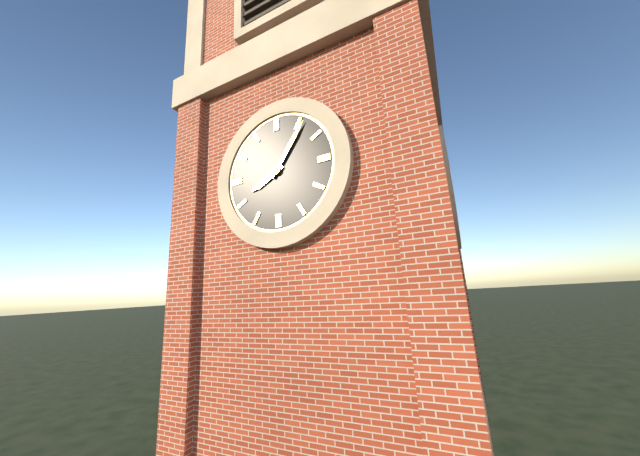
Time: **8:06**
